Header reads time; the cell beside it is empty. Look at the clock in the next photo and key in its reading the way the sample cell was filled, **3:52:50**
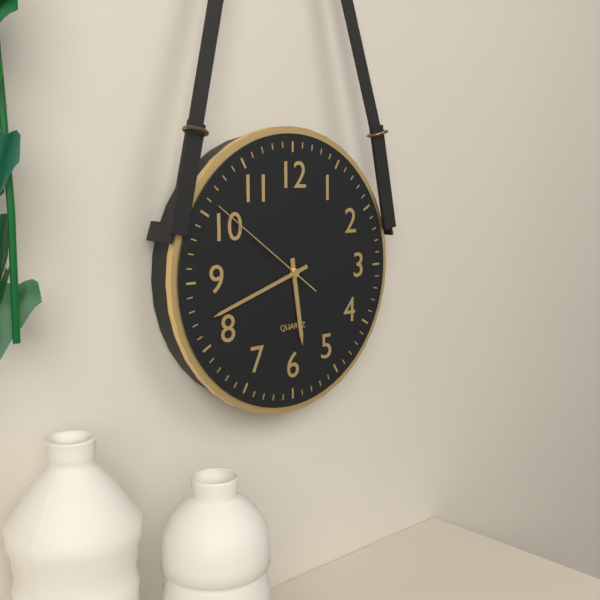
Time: **5:42:51**
